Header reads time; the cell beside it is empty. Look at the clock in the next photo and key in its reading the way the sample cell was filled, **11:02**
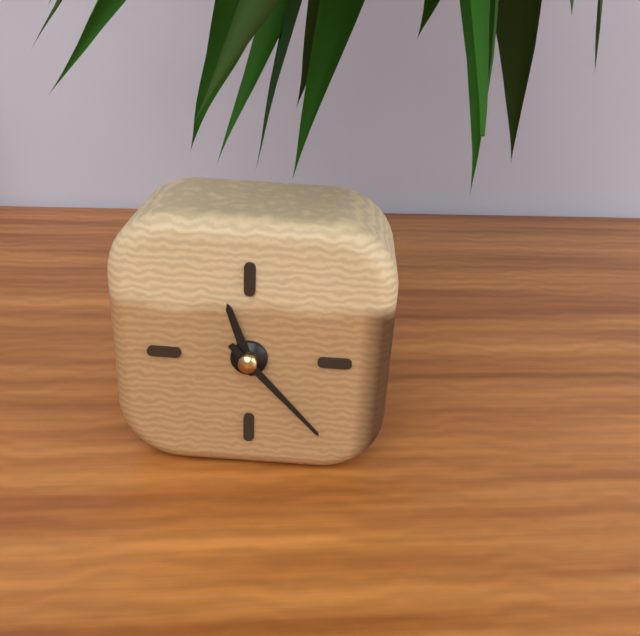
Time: **11:23**
